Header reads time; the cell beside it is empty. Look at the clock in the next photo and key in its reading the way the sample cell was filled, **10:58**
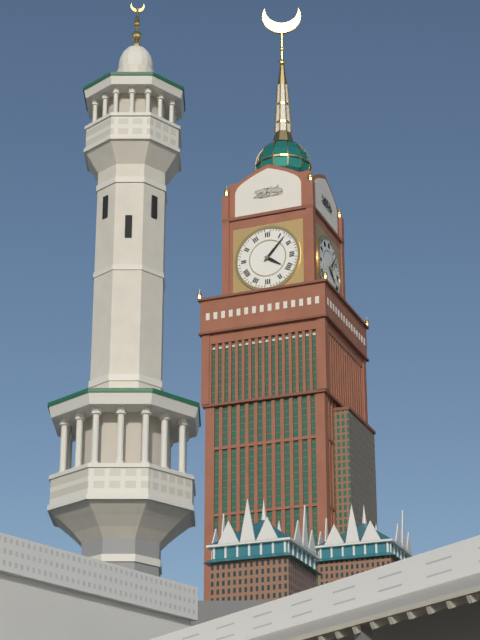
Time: **4:07**
